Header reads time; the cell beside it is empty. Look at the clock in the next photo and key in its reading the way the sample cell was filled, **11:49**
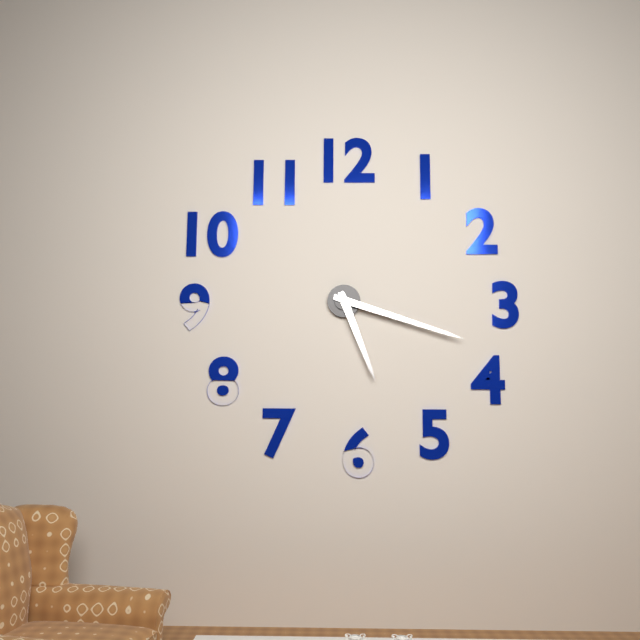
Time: **5:18**
